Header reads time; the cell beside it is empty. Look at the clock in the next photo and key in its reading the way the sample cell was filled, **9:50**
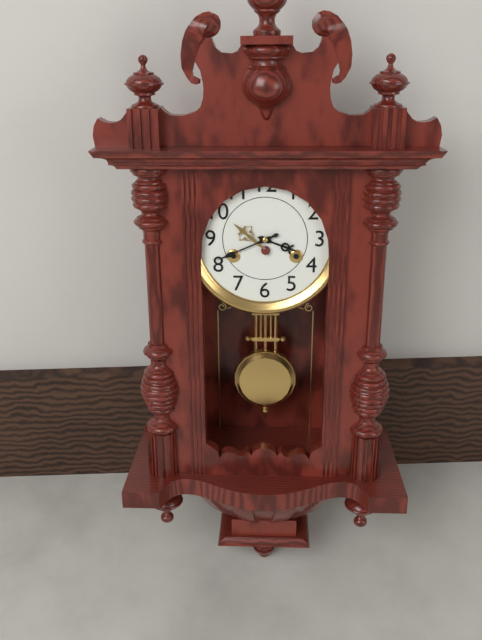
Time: **3:41**
